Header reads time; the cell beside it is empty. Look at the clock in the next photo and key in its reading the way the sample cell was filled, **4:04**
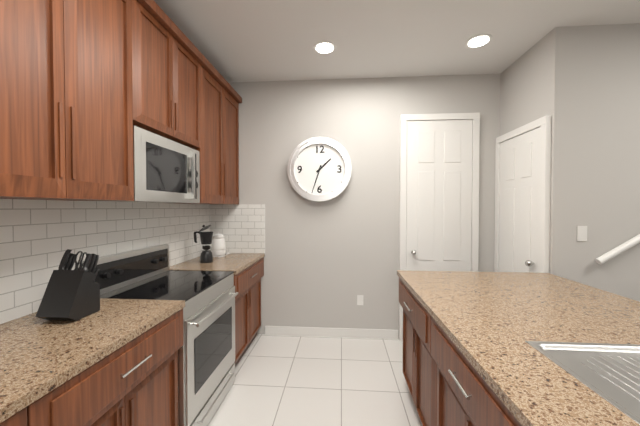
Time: **1:33**
